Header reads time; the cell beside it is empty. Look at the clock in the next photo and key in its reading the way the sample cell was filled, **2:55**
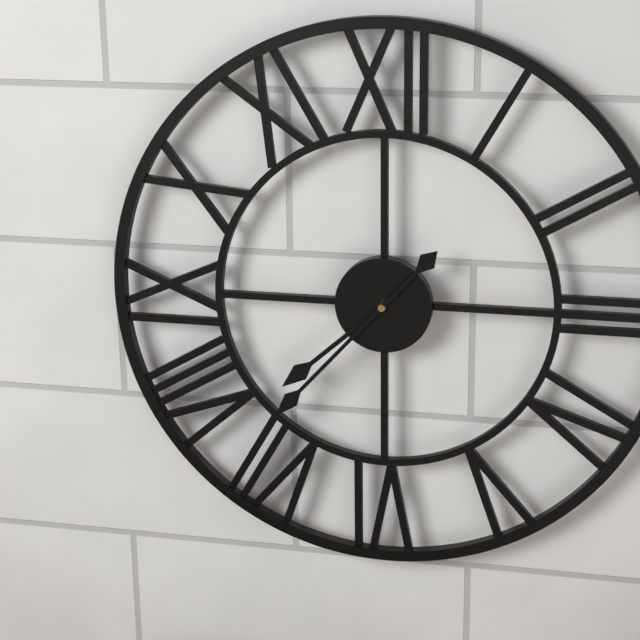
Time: **7:37**
